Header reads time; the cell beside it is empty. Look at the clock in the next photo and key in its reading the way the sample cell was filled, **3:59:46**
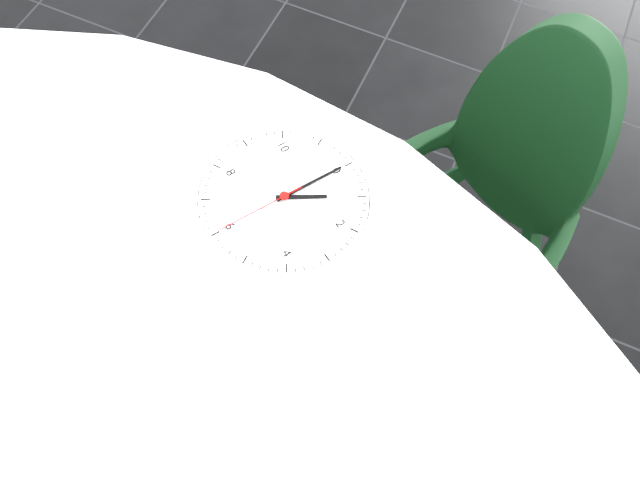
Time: **1:00:30**
